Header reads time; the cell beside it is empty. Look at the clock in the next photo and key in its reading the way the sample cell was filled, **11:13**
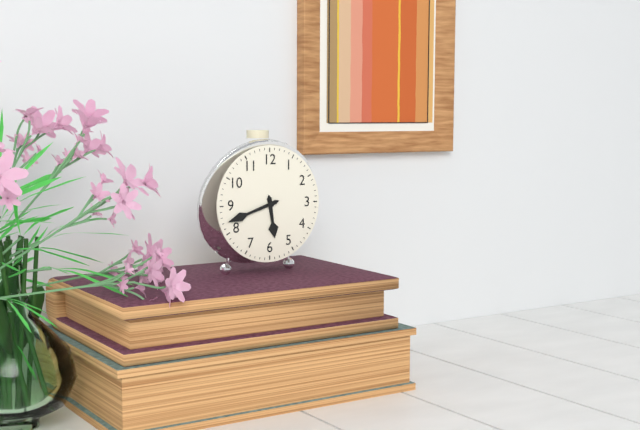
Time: **5:42**
